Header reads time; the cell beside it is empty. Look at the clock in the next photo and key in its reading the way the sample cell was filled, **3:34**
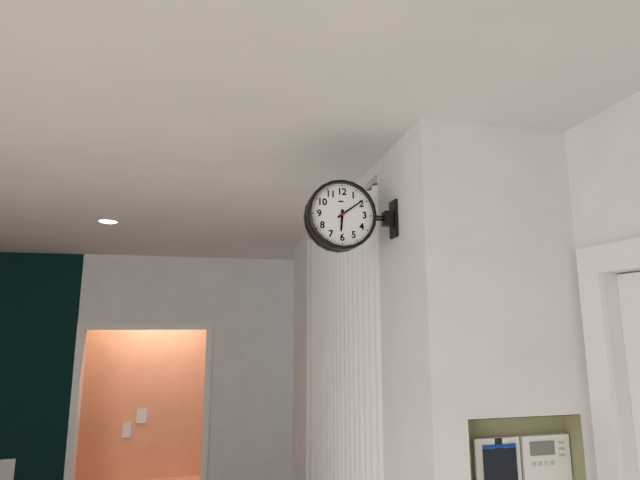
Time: **6:09**
